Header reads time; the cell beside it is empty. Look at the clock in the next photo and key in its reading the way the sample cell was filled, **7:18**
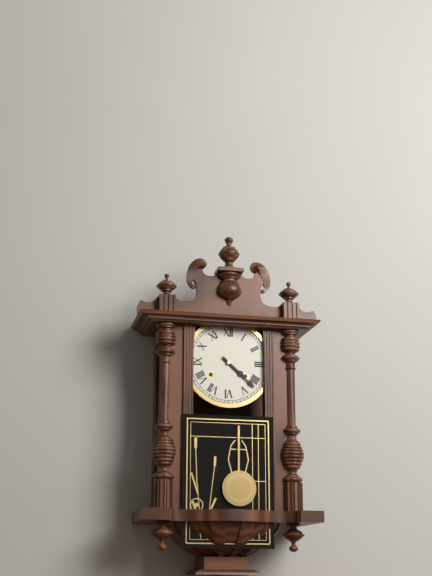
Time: **4:22**
